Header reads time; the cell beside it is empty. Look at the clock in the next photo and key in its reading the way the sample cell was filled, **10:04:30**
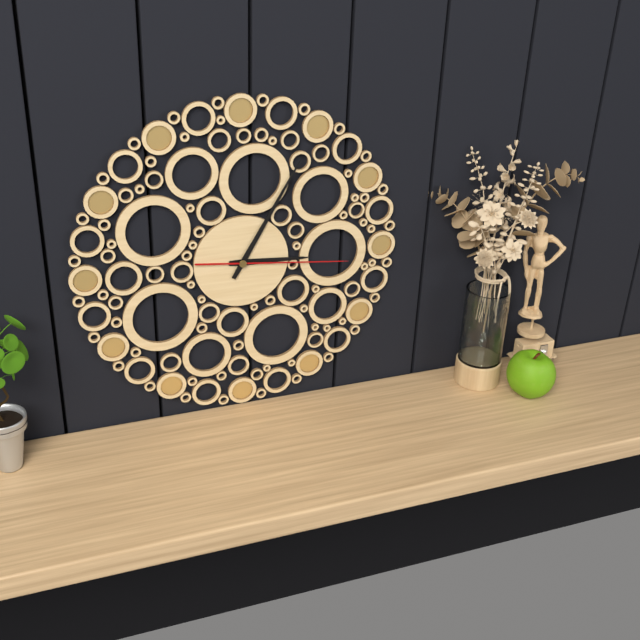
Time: **3:05:16**
